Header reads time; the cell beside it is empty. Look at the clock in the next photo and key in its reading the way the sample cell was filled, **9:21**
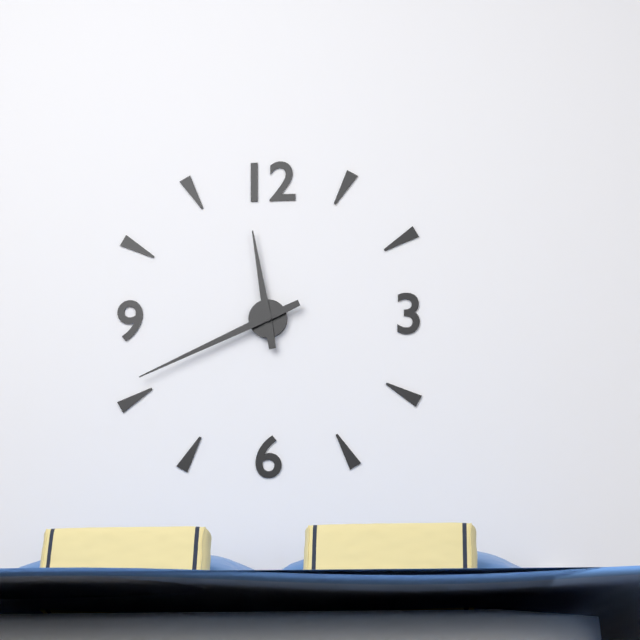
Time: **11:41**
